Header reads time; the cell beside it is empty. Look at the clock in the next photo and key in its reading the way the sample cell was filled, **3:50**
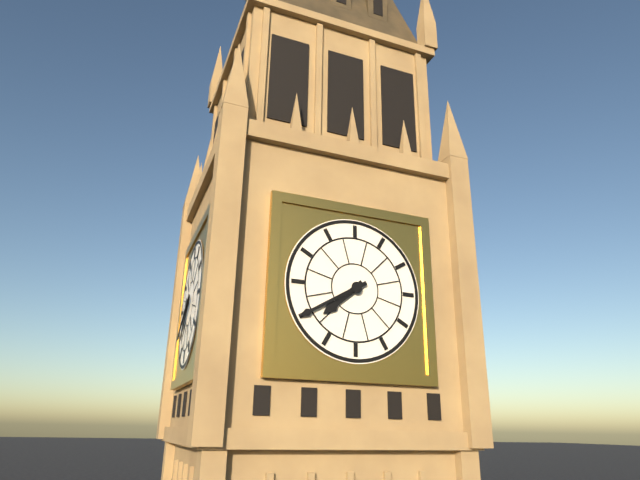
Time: **7:40**
